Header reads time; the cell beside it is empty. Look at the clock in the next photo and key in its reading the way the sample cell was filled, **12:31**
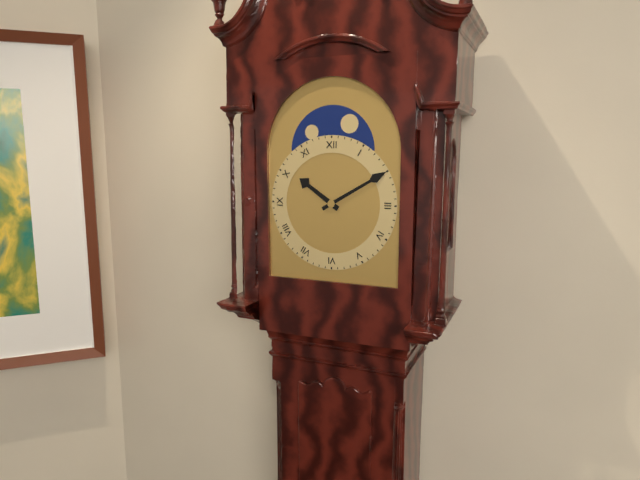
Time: **10:10**
